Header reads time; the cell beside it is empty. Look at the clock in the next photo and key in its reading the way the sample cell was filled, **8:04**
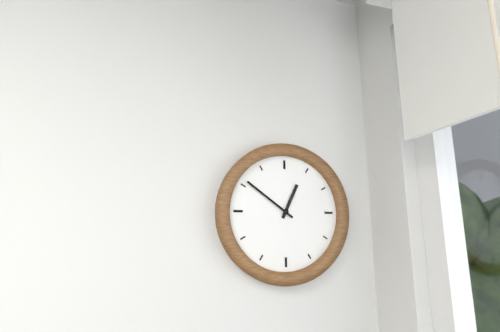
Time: **12:51**
